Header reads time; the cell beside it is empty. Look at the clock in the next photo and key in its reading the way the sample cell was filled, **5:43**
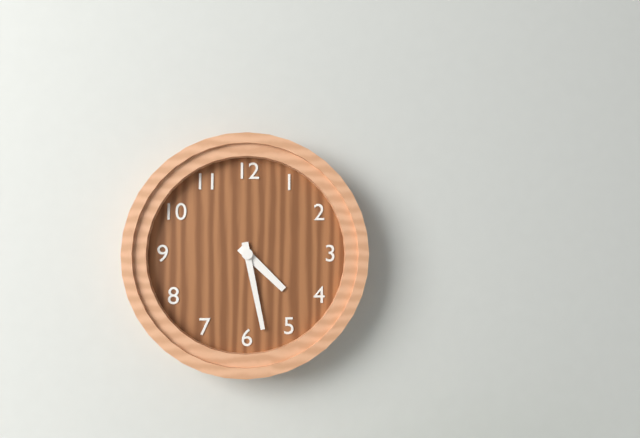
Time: **4:28**
